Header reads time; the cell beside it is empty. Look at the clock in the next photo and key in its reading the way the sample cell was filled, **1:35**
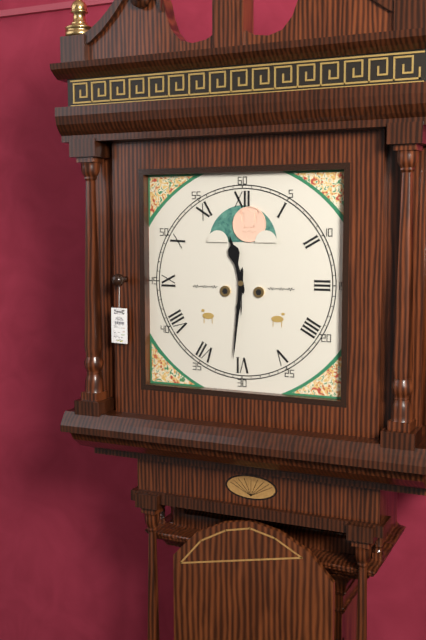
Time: **11:31**
